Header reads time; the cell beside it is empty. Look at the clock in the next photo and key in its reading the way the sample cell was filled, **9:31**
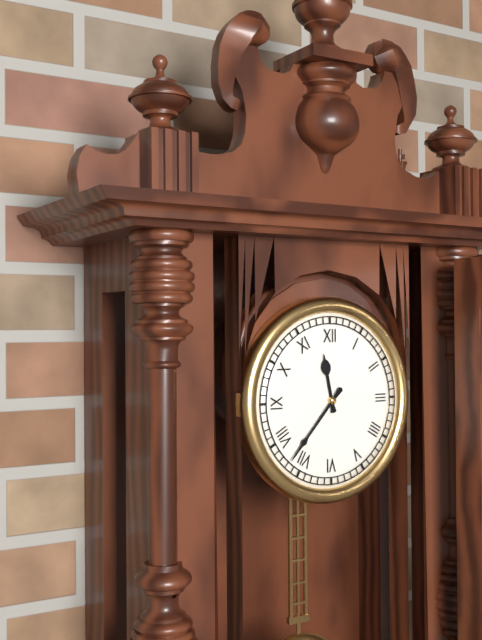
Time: **11:37**
